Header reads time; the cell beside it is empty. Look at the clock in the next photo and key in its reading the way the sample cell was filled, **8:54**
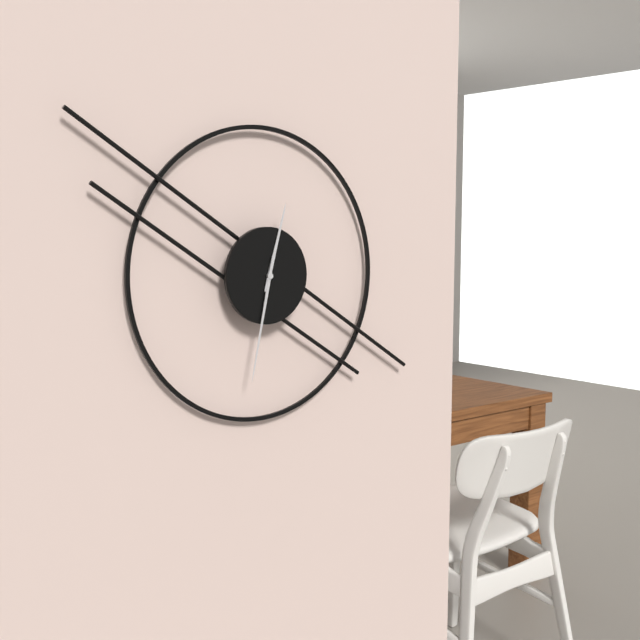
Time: **12:32**
